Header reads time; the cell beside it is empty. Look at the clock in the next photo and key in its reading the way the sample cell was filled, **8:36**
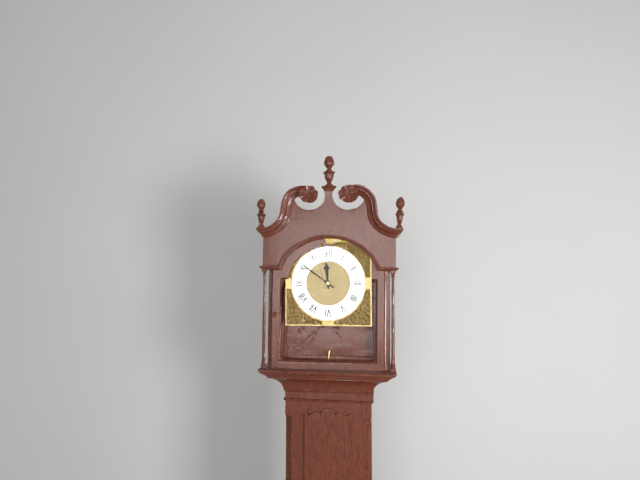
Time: **11:51**
